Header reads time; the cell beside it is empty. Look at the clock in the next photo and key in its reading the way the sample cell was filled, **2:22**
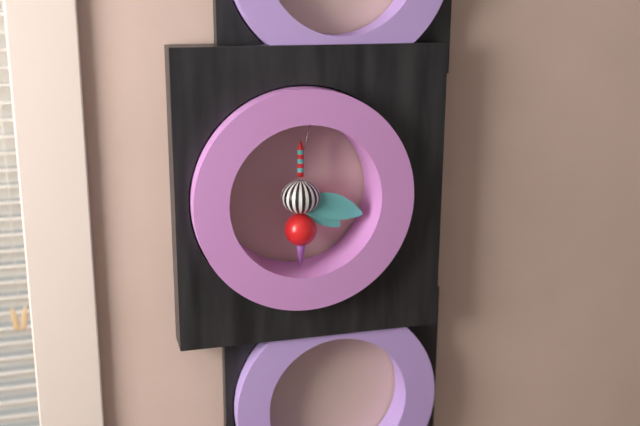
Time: **4:18**
